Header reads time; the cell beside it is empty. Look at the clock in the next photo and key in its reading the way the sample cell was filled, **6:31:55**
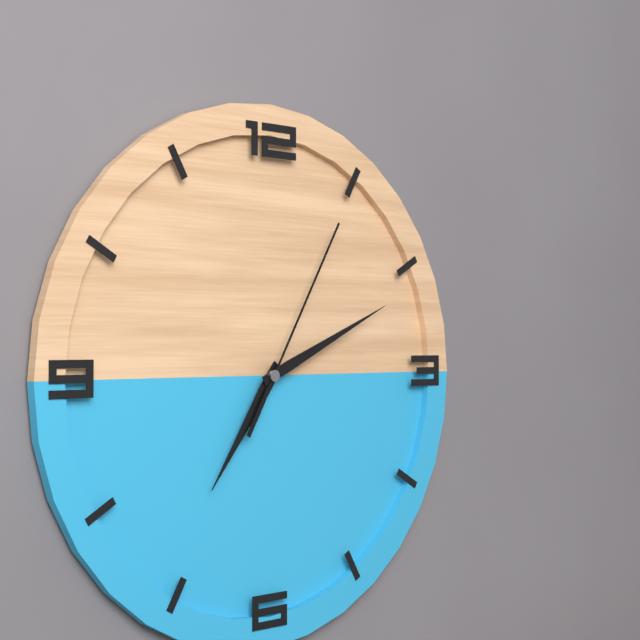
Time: **7:11:05**
